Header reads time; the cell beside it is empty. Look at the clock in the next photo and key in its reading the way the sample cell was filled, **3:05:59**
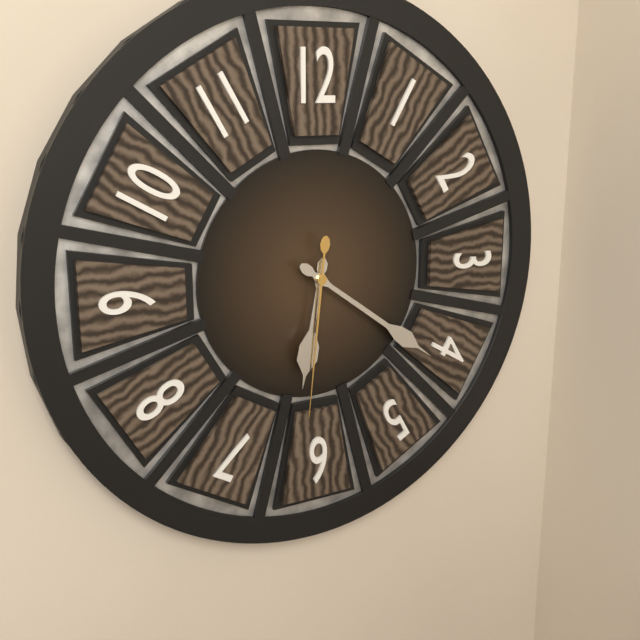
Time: **6:21:31**
